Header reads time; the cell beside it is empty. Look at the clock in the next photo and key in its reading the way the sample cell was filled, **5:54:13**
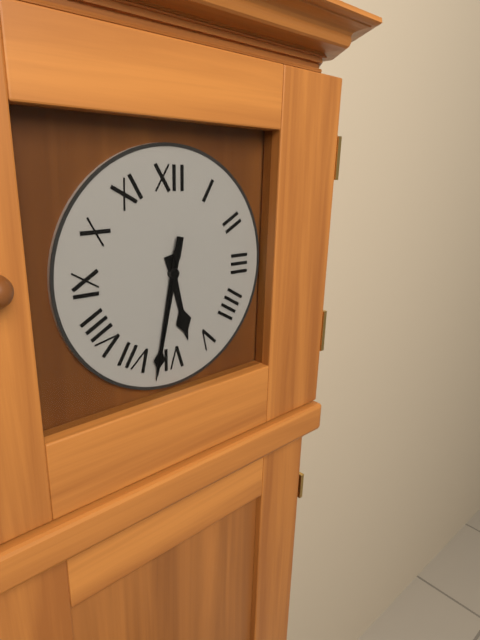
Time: **5:32:32**
